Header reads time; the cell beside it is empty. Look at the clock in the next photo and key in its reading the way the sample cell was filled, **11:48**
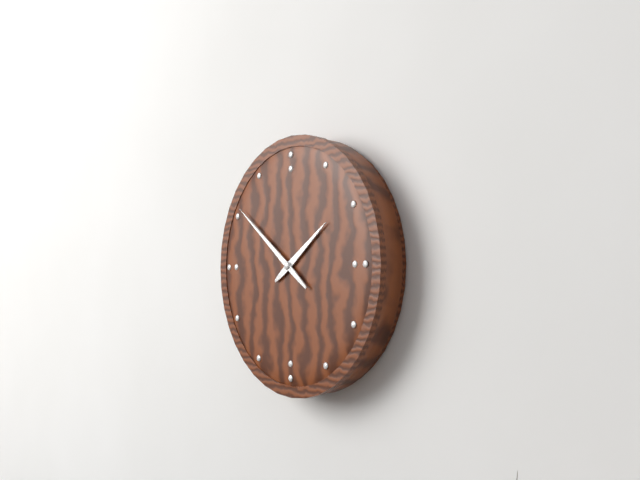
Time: **1:51**
